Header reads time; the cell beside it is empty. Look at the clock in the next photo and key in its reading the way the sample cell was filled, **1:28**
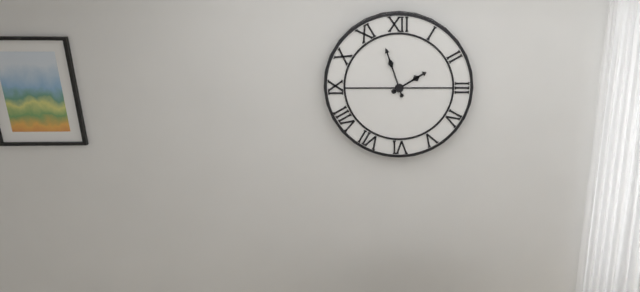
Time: **1:57**
